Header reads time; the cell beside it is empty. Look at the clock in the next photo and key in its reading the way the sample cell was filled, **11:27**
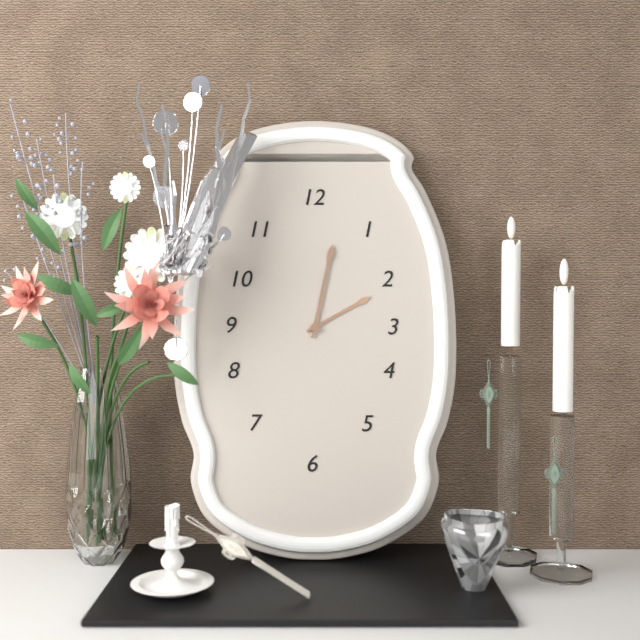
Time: **2:02**
